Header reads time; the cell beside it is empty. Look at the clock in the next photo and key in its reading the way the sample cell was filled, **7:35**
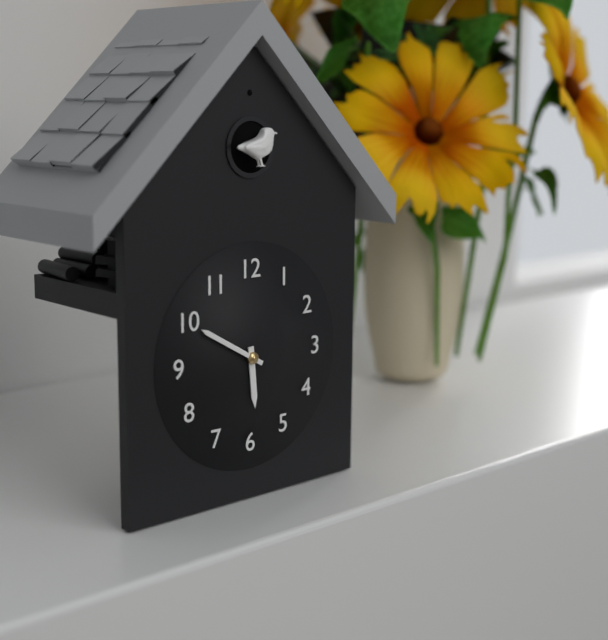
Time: **5:50**
